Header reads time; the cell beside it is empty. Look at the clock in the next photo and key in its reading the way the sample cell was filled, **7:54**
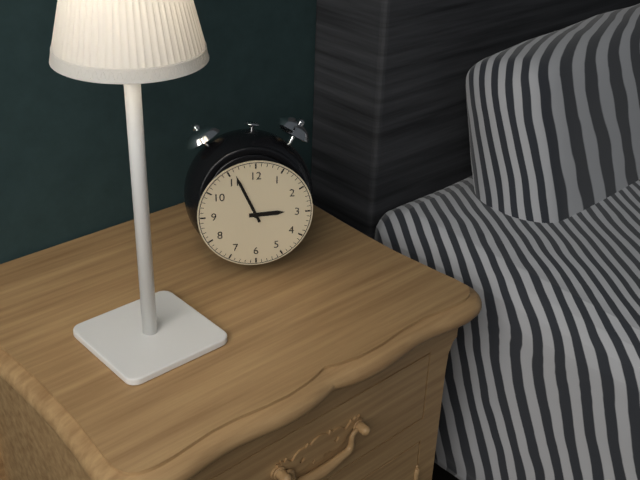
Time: **2:56**
